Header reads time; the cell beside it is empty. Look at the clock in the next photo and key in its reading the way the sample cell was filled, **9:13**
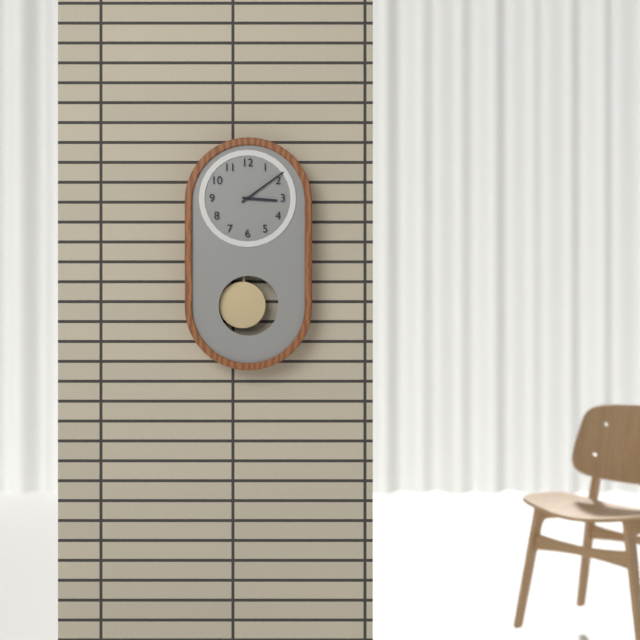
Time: **3:09**
